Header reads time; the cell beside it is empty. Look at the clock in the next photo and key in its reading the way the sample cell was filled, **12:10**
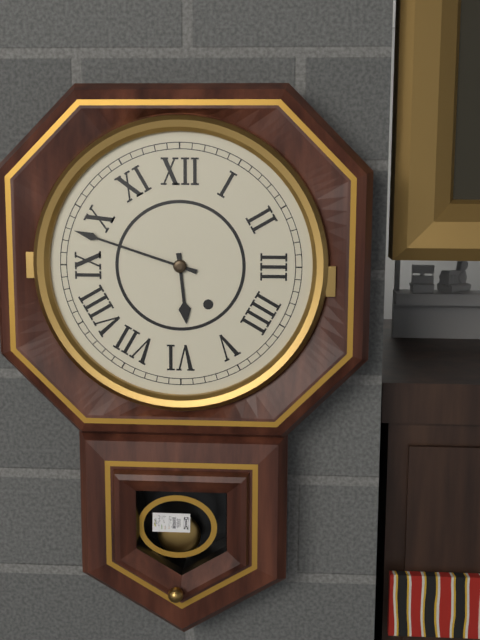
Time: **5:48**
